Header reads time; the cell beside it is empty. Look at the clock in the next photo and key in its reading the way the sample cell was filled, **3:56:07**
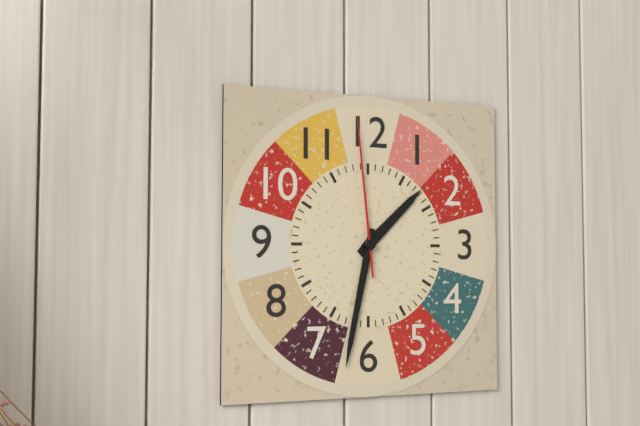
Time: **1:32:59**
